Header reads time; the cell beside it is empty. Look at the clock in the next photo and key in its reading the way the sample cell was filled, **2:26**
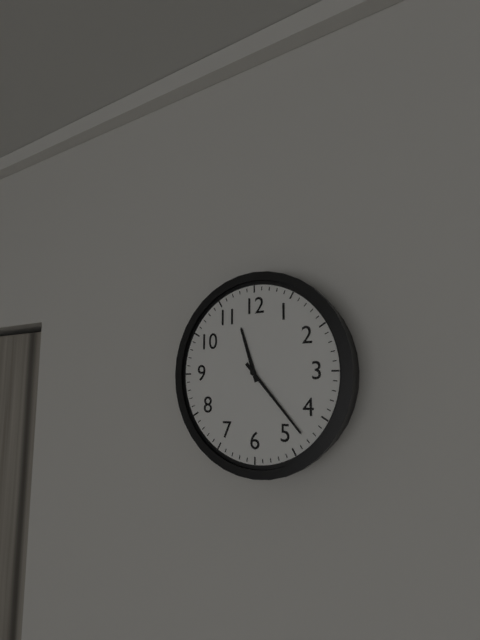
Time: **11:23**
